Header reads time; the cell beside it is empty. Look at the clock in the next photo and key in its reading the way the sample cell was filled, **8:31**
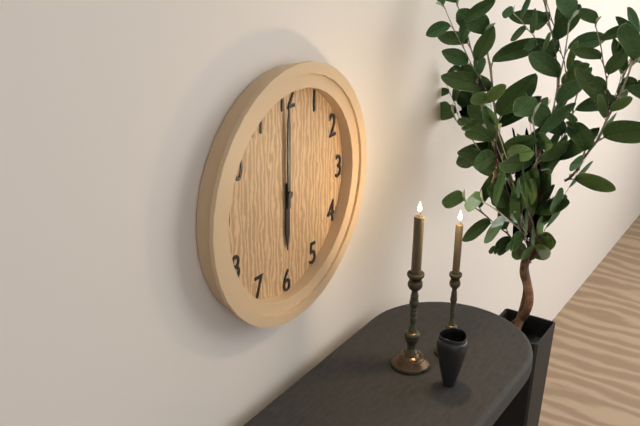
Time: **6:00**
